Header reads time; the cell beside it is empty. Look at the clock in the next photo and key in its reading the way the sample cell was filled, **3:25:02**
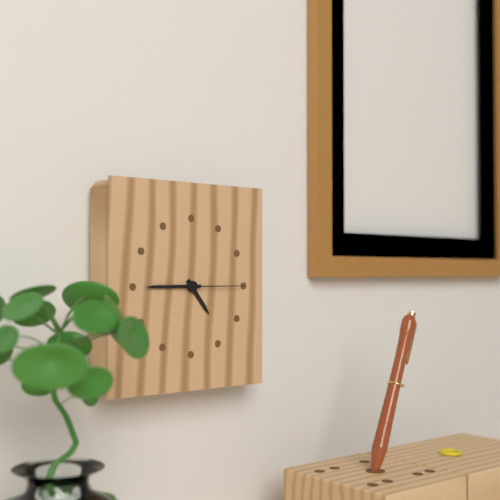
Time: **4:45:15**
